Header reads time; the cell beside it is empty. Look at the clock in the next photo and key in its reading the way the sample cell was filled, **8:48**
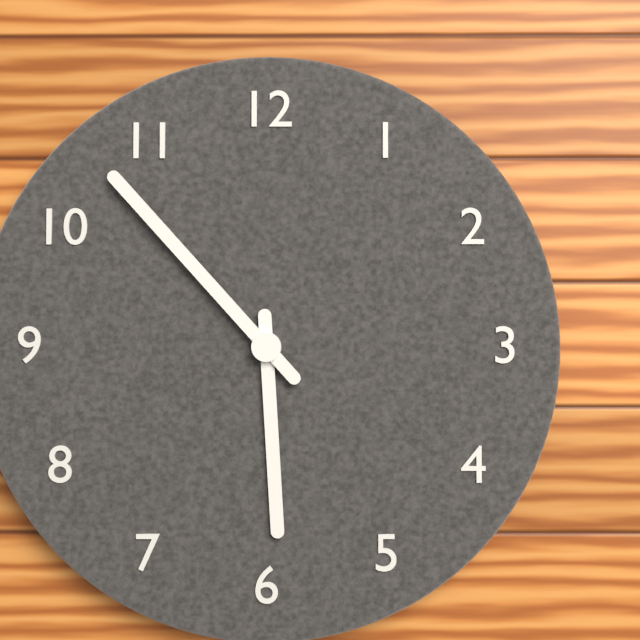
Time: **5:53**
